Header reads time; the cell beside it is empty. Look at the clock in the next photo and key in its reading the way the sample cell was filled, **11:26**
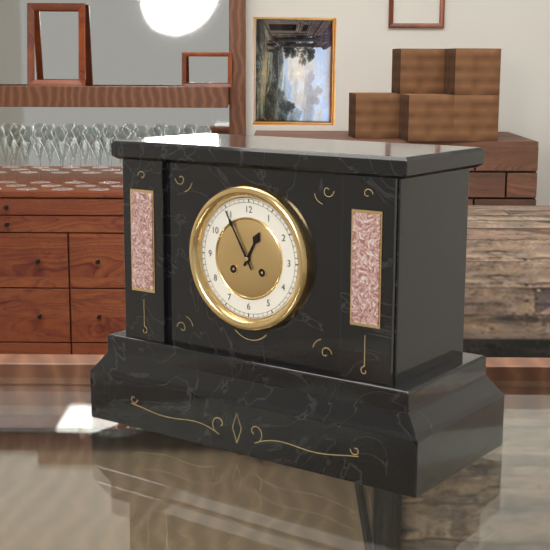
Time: **12:55**
